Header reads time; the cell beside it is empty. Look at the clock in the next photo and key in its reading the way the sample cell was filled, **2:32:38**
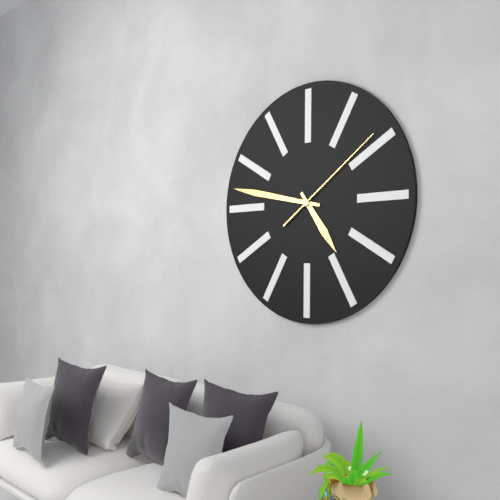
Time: **4:47:09**
